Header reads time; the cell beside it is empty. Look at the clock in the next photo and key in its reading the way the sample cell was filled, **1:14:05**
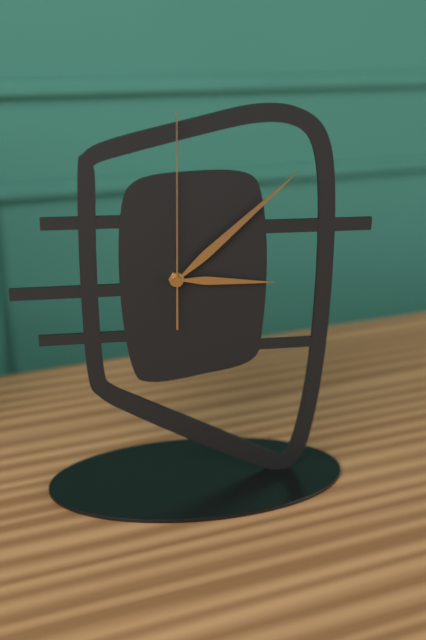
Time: **3:08:00**
